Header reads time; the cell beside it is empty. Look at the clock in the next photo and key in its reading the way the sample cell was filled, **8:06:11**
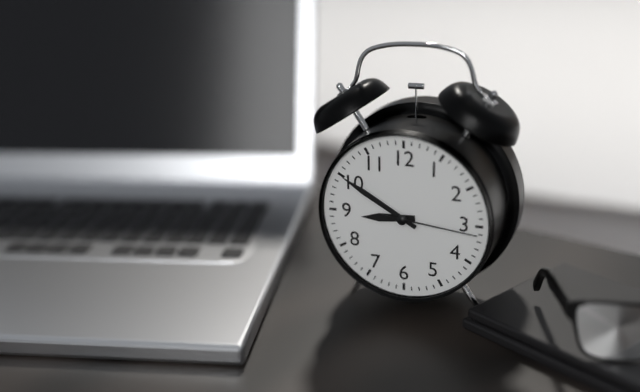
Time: **8:50:16**
